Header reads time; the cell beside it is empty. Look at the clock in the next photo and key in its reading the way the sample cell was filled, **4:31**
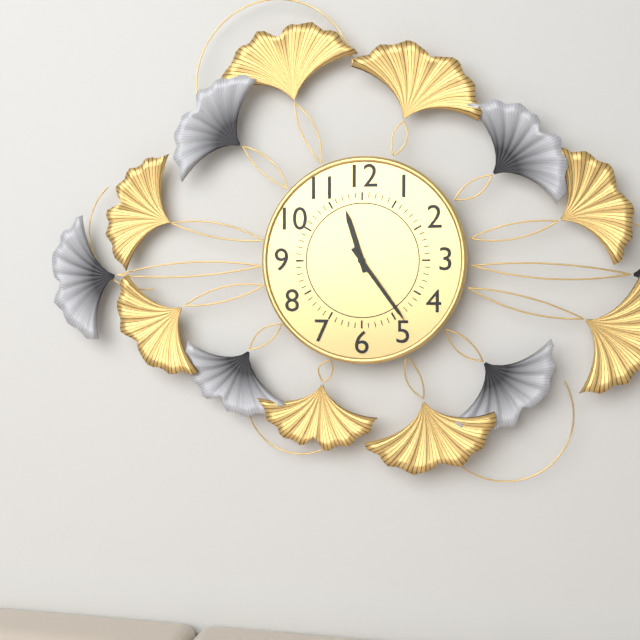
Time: **11:24**
